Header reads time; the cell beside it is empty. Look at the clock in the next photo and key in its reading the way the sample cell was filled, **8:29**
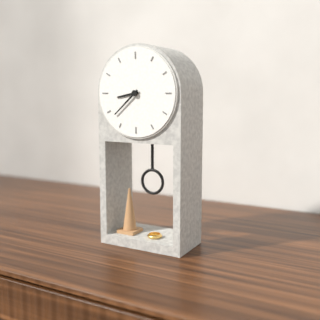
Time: **8:38**
